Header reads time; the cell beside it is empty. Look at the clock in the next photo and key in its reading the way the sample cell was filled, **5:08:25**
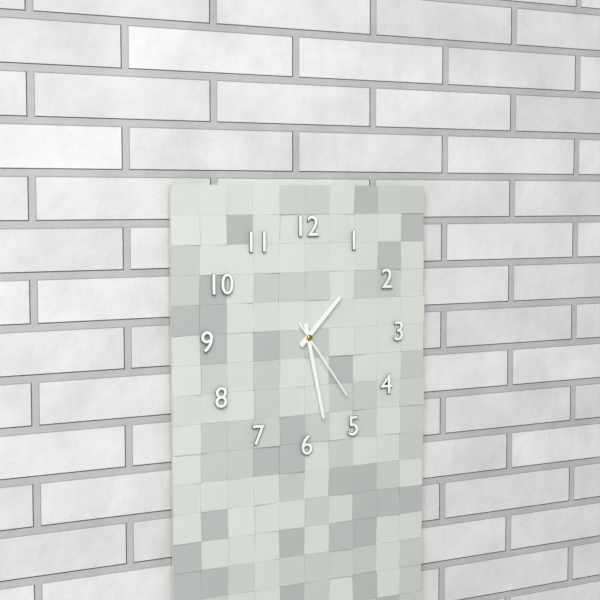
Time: **1:28:24**
